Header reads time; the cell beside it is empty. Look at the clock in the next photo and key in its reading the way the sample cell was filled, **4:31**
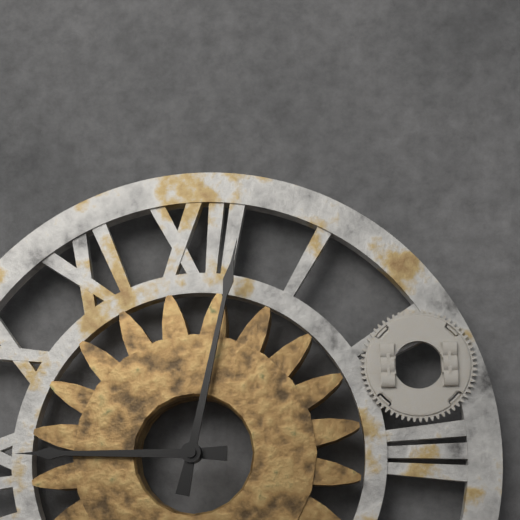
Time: **9:02**
